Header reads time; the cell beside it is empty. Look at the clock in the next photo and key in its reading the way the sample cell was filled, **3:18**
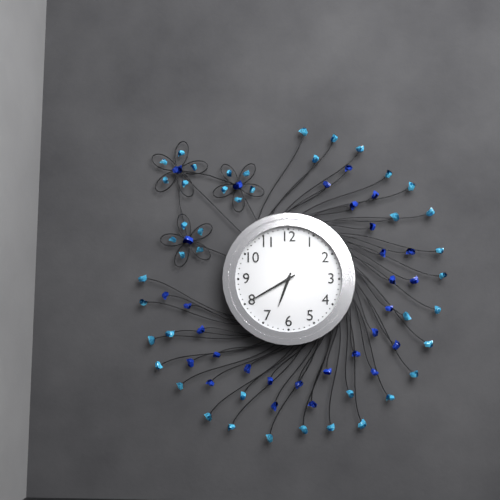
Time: **6:40**
